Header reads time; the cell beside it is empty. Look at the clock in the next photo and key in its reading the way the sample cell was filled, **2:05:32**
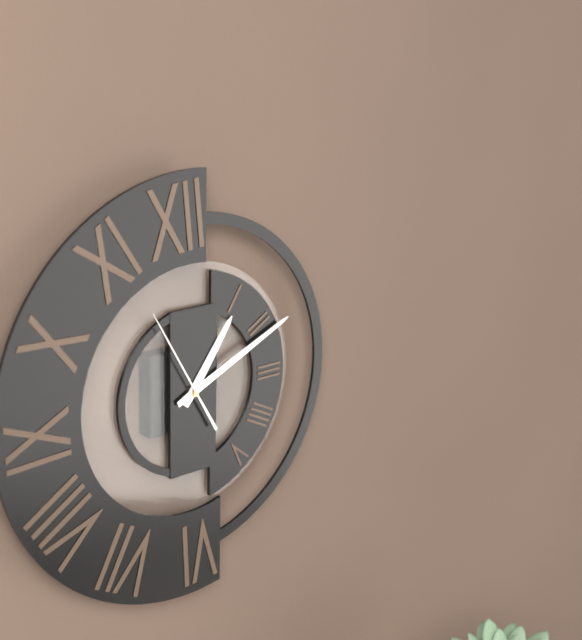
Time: **1:11:55**
